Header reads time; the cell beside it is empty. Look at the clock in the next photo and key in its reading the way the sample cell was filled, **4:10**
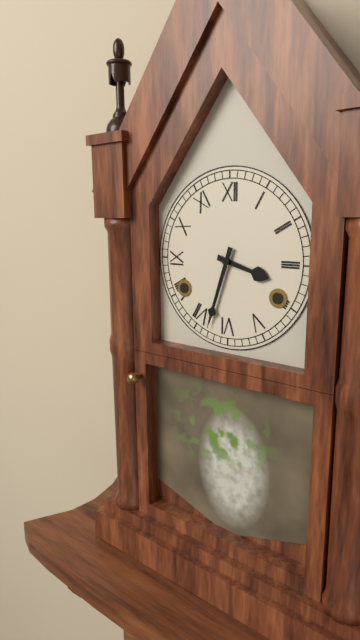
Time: **3:33**
